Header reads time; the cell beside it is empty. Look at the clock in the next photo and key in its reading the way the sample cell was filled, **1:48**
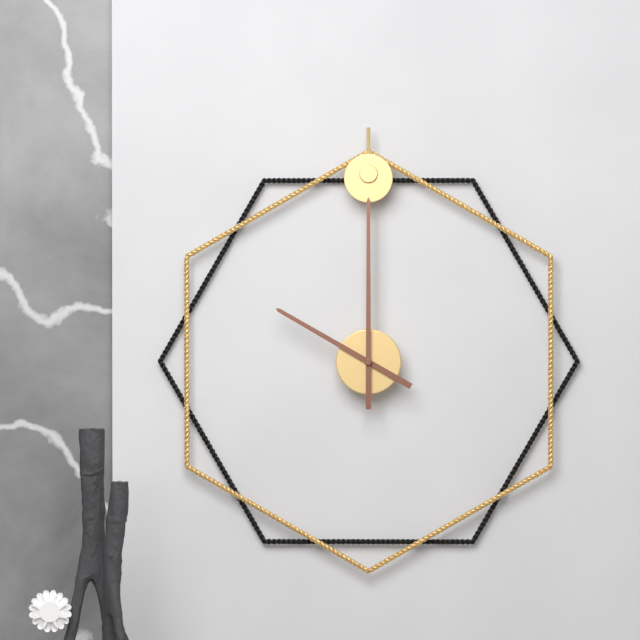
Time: **10:00**
